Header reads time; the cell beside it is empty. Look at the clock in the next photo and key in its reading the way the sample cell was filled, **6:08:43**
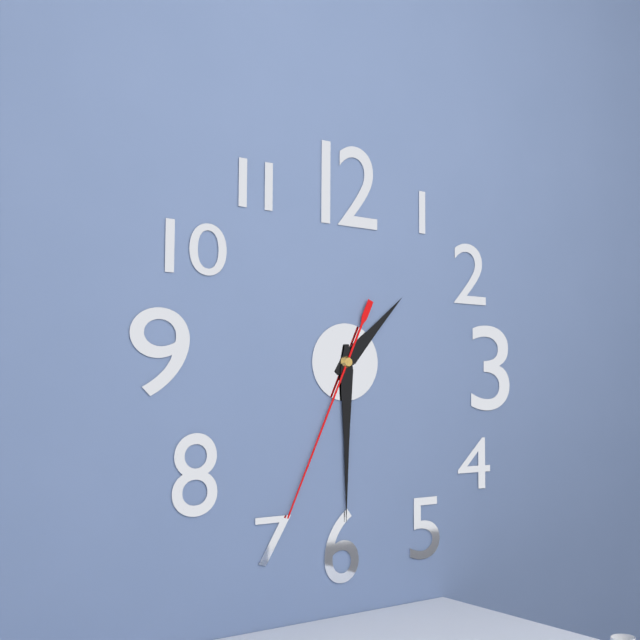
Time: **1:30:34**
